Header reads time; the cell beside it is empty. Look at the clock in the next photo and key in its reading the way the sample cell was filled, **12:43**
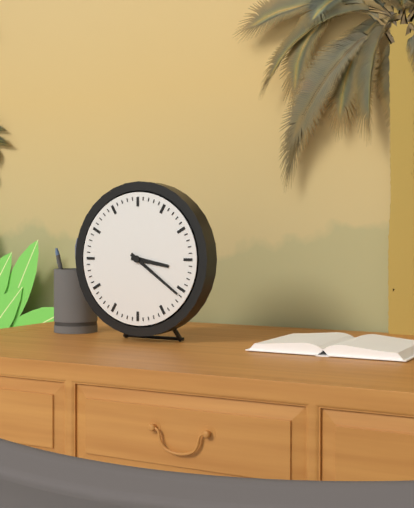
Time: **3:21**
